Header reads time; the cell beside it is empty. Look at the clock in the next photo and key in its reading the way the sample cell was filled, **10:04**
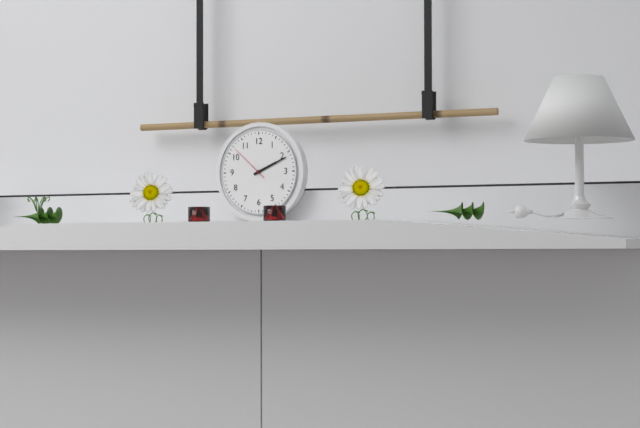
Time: **2:11**
